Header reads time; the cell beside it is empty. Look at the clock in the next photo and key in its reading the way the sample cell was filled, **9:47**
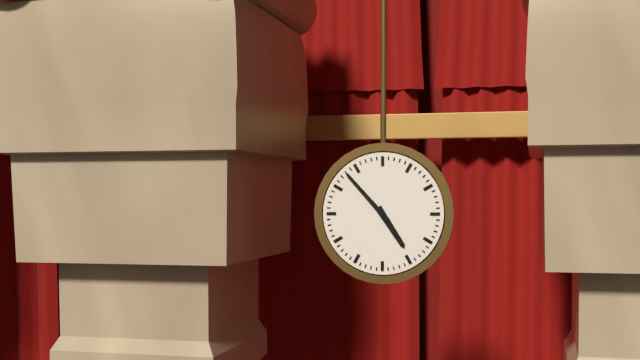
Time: **4:53**
